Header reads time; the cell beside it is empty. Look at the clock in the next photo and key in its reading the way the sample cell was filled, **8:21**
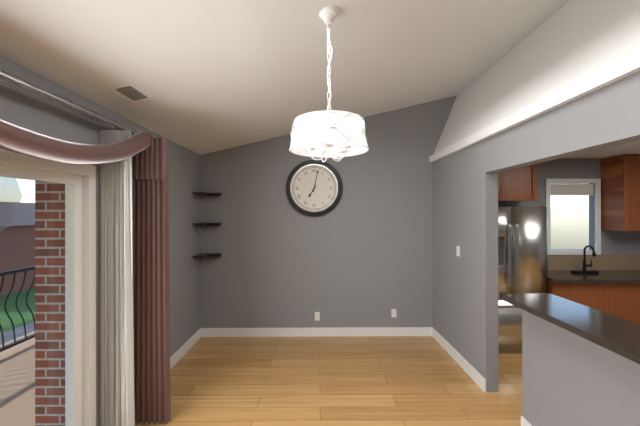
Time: **7:02**
